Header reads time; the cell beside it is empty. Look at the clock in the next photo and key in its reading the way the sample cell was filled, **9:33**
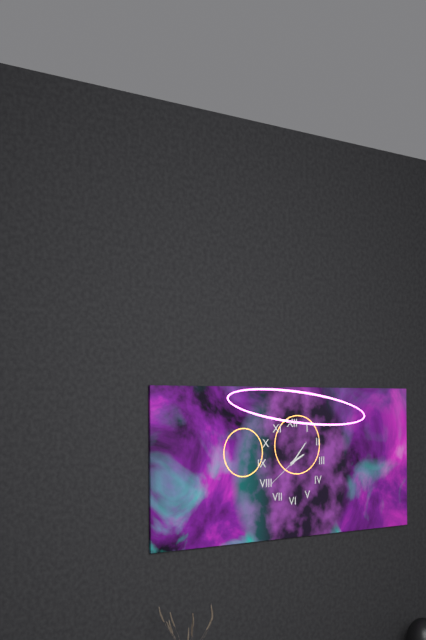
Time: **2:07**
